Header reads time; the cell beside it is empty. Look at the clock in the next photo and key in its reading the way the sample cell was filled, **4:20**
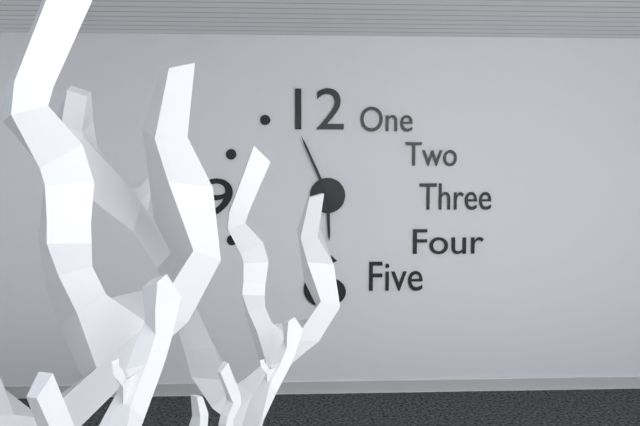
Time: **5:56**
